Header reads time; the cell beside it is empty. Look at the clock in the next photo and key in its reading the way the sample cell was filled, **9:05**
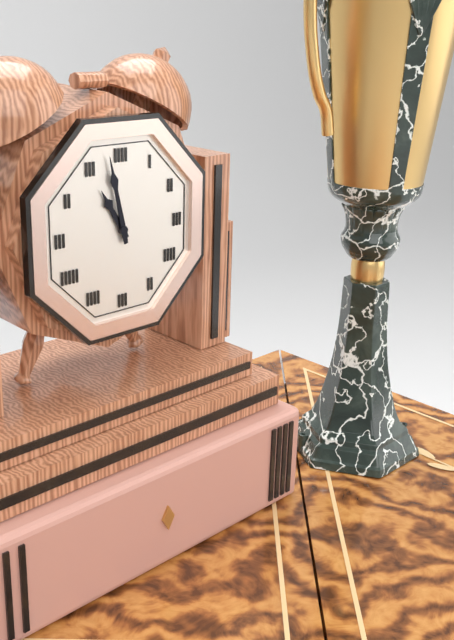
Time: **10:58**
